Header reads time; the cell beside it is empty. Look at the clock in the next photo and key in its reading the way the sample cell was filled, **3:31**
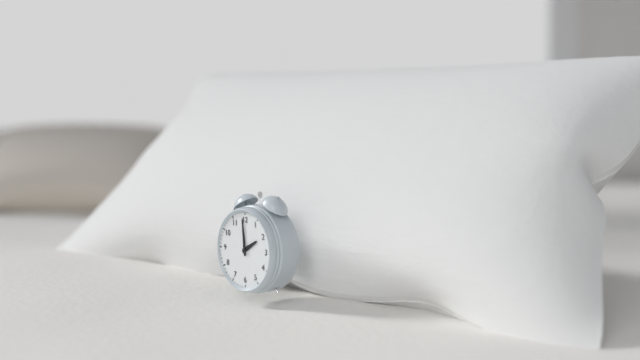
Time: **1:59**
